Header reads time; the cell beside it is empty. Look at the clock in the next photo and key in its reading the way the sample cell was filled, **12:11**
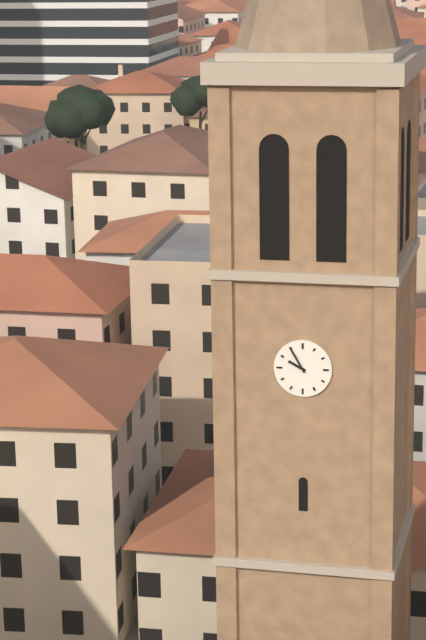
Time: **9:55**
